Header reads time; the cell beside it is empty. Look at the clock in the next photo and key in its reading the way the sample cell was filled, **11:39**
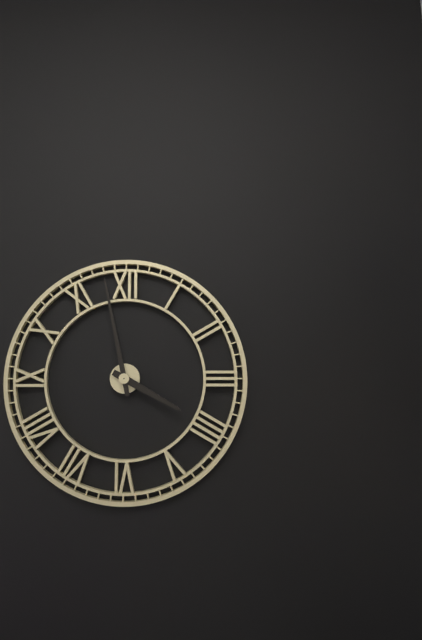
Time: **3:58**
